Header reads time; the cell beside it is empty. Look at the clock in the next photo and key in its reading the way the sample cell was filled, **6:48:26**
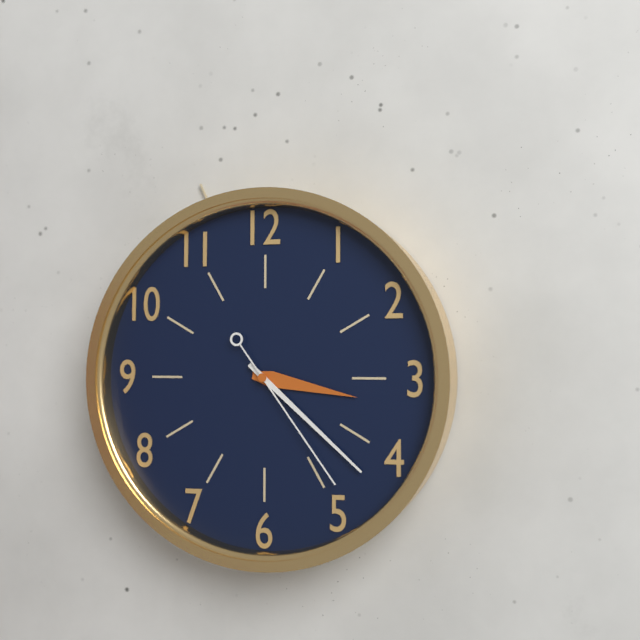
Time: **3:22:24**
